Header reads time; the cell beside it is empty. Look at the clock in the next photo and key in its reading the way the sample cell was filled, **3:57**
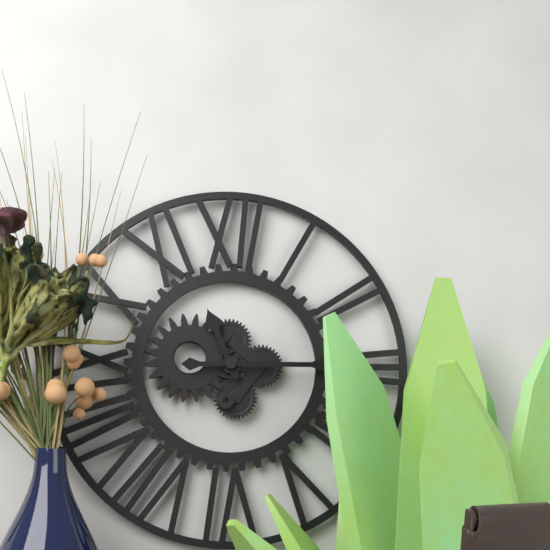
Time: **11:15**
